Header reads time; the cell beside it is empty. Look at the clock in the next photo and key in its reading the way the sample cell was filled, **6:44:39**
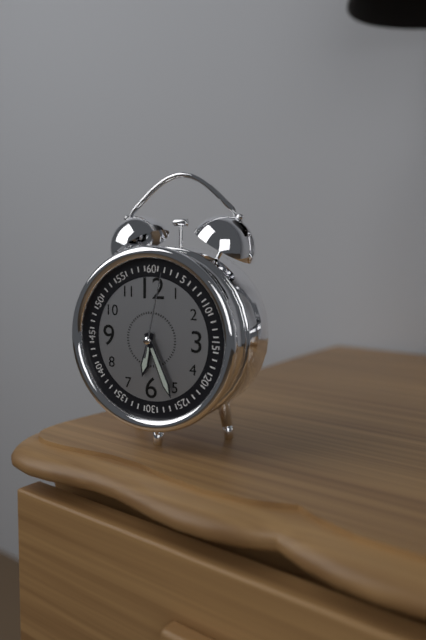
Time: **6:26:02**
